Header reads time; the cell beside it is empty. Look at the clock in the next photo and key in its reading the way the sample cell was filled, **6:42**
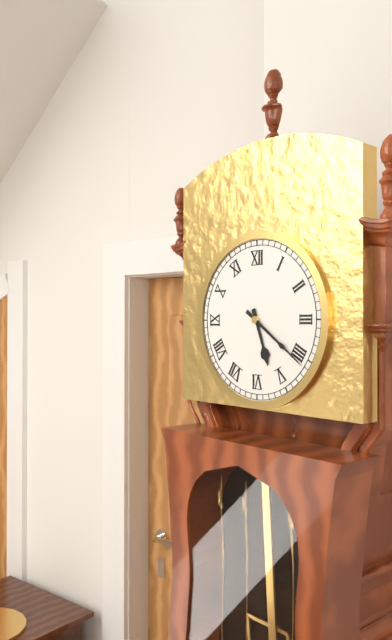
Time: **5:21**
